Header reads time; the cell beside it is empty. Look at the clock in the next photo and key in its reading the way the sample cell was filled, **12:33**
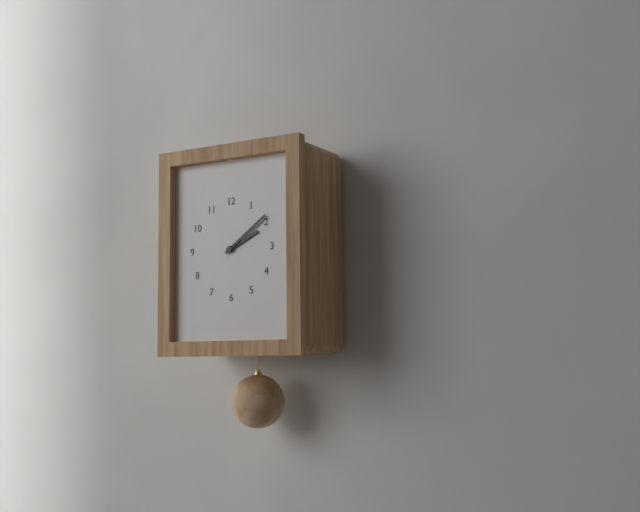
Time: **2:09**
